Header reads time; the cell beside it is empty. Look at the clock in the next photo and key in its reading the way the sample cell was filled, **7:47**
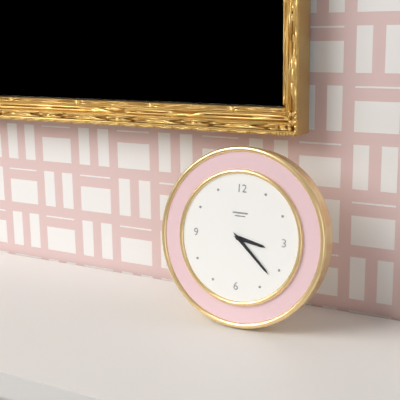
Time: **3:22**
